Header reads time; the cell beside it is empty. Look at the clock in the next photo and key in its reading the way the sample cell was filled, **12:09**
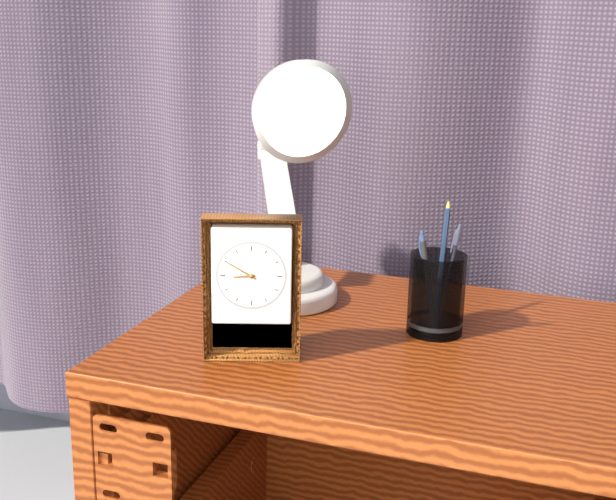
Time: **8:50**
